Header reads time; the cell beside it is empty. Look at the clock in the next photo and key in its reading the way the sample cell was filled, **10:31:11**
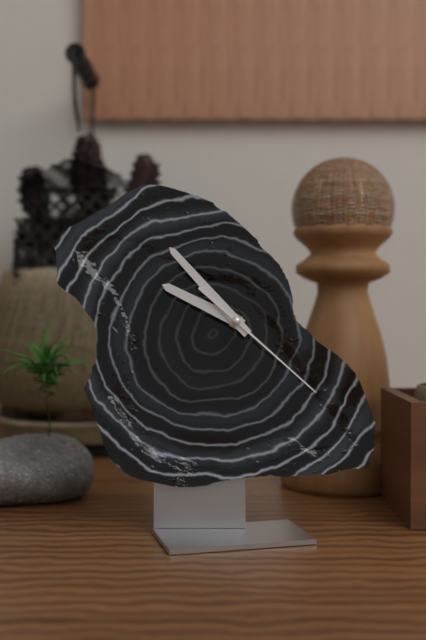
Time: **9:53:22**
